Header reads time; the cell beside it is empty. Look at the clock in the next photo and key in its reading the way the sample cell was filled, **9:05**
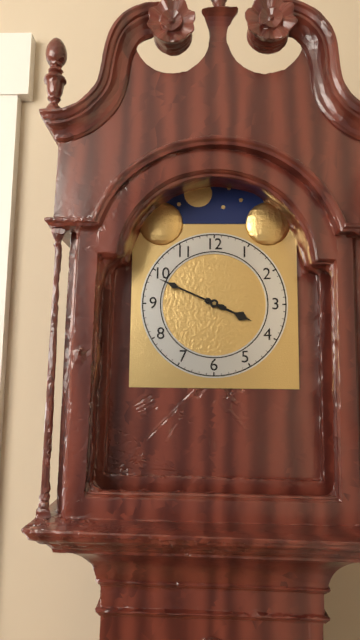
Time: **3:49**
